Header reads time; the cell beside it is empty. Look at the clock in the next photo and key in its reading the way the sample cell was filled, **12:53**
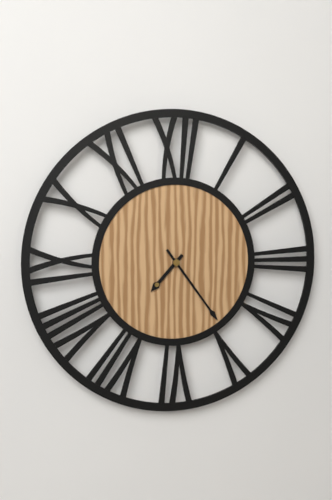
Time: **7:24**
